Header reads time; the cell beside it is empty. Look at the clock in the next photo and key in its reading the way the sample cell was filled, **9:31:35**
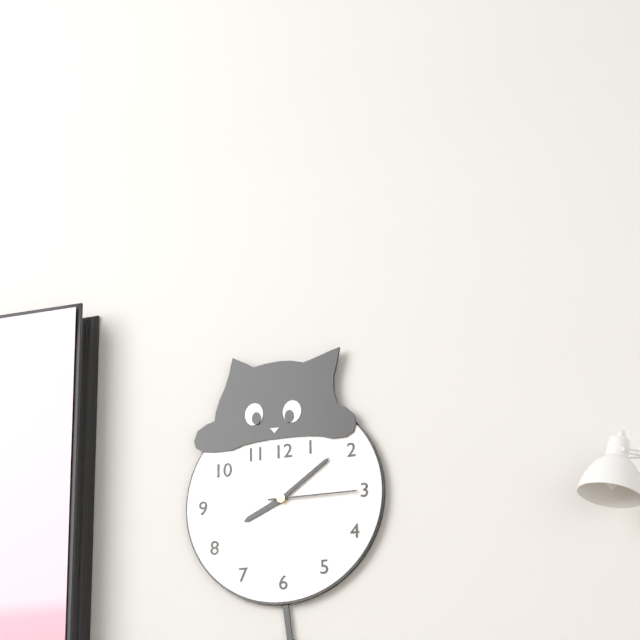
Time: **8:09:15**
